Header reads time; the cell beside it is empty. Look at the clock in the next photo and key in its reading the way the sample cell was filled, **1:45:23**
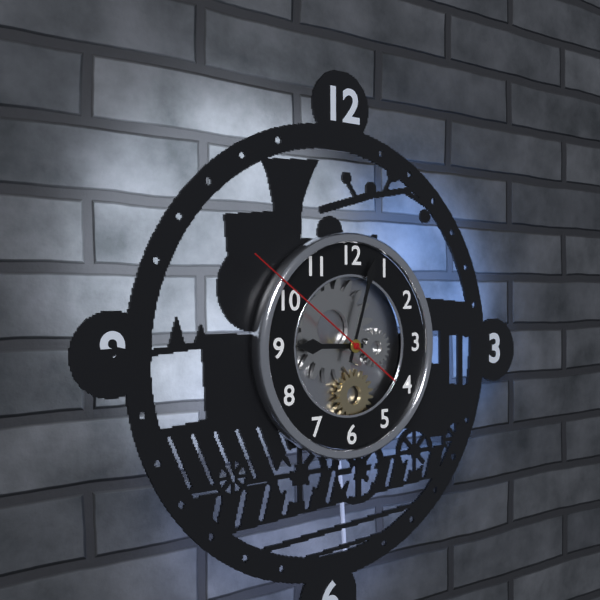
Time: **9:03:51**
